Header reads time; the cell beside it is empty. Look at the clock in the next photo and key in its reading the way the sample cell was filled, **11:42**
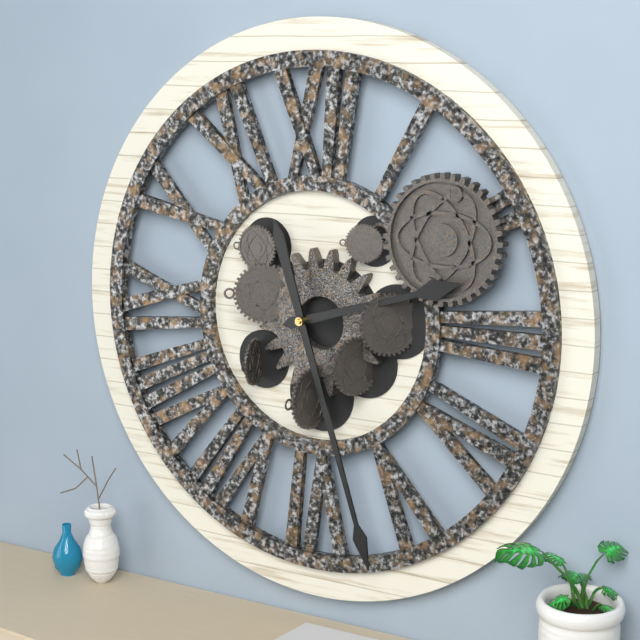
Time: **2:27**
